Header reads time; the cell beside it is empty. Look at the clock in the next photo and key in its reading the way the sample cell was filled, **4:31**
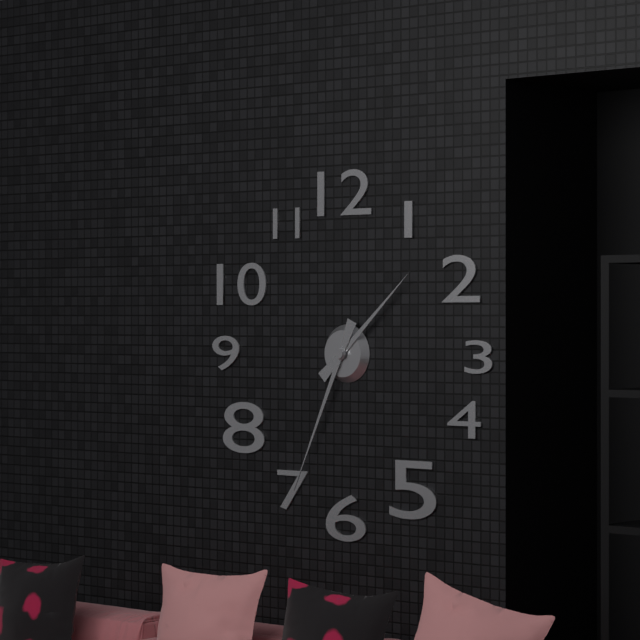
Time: **1:34**
